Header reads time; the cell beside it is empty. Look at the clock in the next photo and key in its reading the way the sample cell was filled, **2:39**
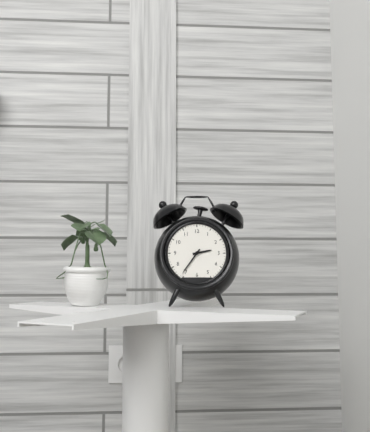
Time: **2:36**
